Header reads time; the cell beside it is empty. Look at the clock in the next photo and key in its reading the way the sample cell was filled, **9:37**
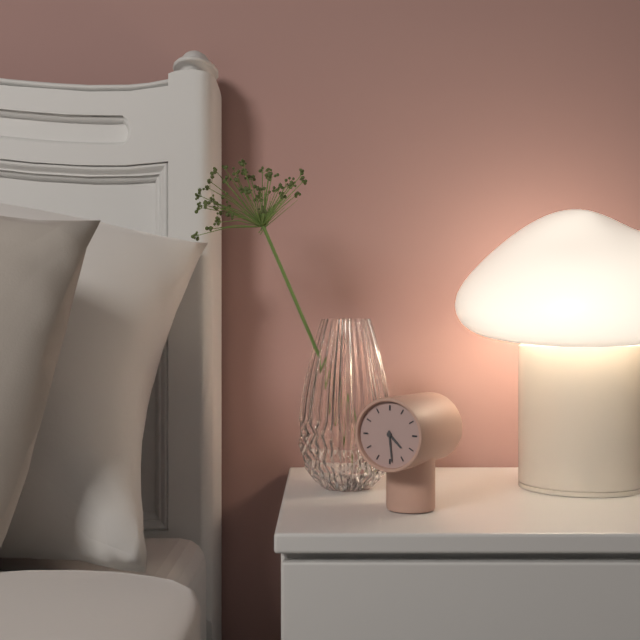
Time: **4:29**
